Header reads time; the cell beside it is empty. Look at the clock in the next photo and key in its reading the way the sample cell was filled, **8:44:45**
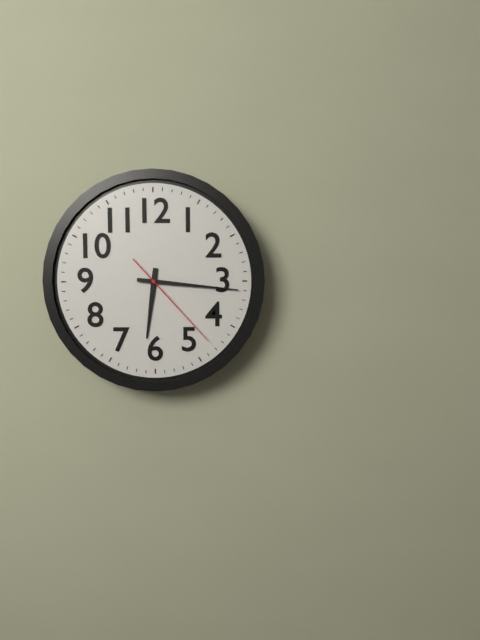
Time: **6:16:23**
